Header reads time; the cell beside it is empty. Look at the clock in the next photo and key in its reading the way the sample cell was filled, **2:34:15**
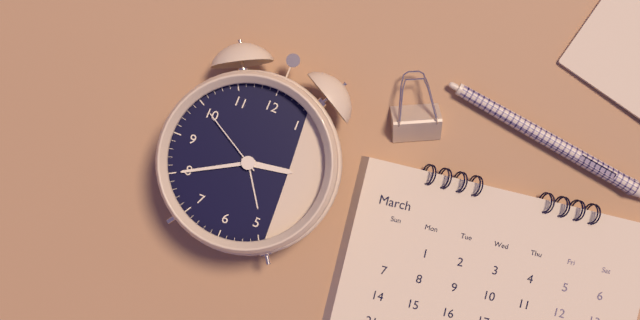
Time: **2:40:50**
